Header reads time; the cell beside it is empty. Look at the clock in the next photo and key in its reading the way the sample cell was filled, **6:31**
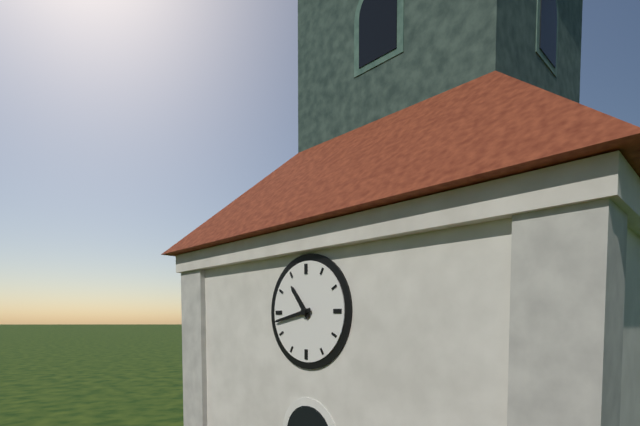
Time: **10:43**
